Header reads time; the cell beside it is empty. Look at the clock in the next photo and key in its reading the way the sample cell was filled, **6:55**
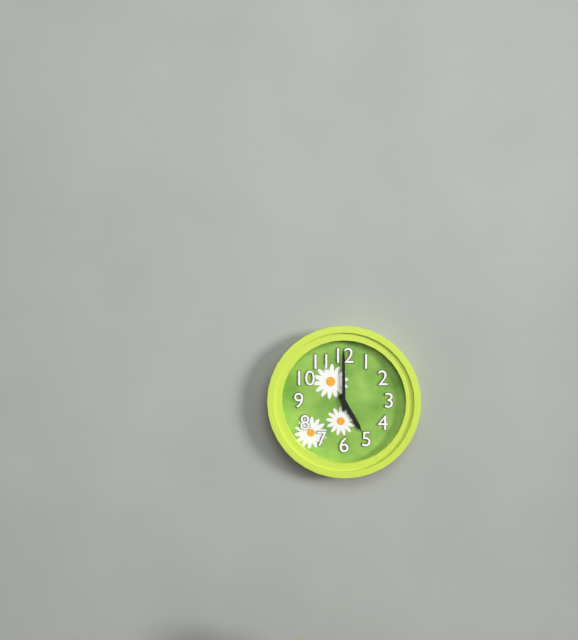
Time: **5:00**
